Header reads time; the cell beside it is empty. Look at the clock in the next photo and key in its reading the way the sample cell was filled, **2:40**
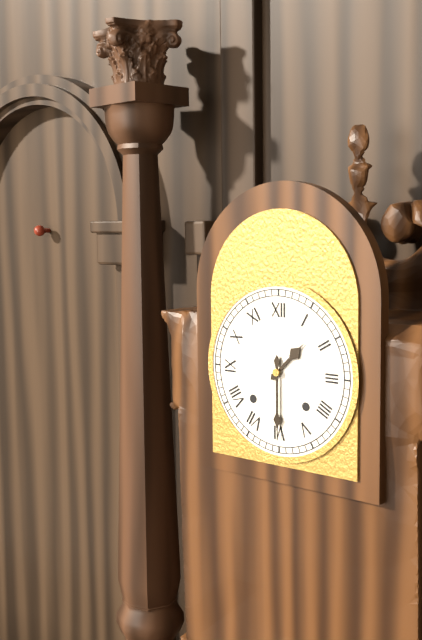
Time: **1:30**
